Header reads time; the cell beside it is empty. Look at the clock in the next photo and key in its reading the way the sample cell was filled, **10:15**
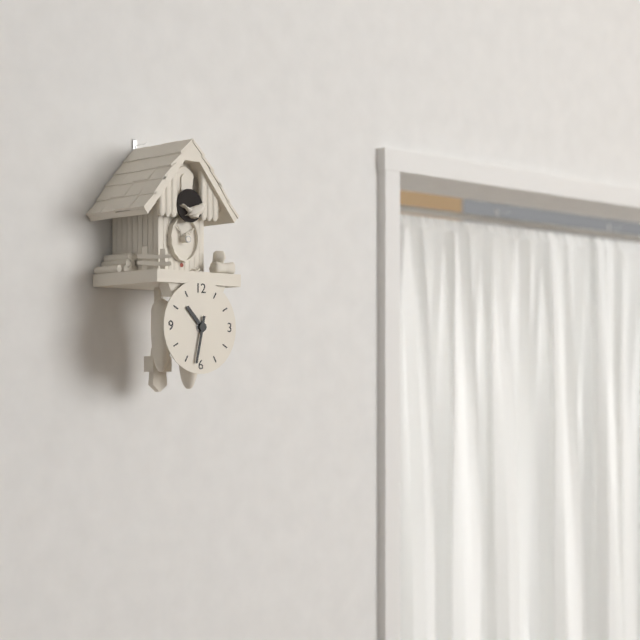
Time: **10:32**
